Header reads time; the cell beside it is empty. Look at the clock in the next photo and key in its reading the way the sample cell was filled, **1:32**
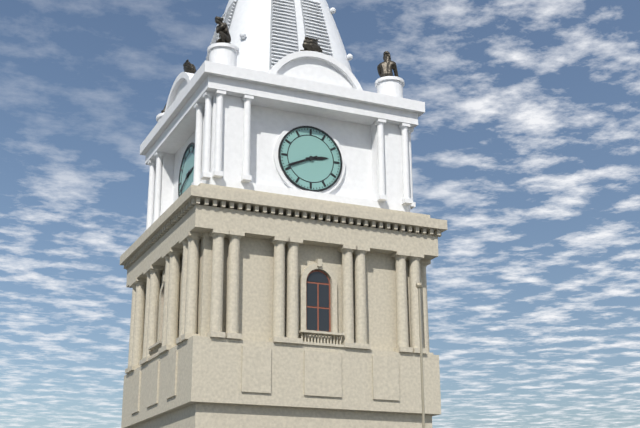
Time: **2:41**
